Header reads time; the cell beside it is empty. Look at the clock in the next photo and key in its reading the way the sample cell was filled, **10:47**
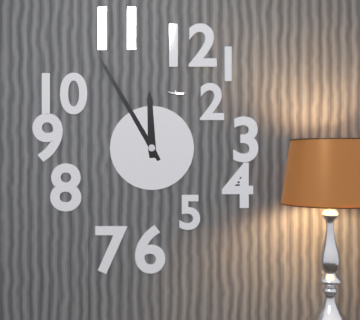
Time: **11:55**
